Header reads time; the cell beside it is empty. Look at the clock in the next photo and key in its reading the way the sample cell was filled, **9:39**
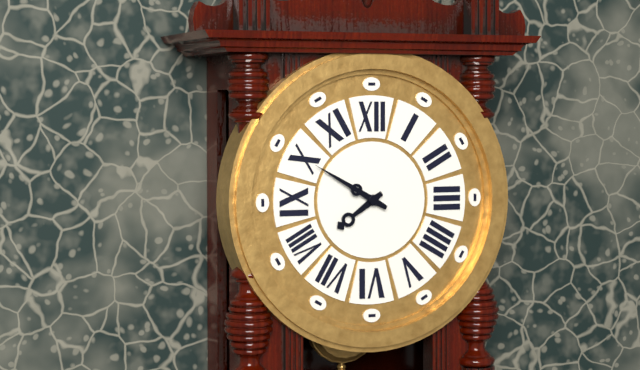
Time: **7:50**
